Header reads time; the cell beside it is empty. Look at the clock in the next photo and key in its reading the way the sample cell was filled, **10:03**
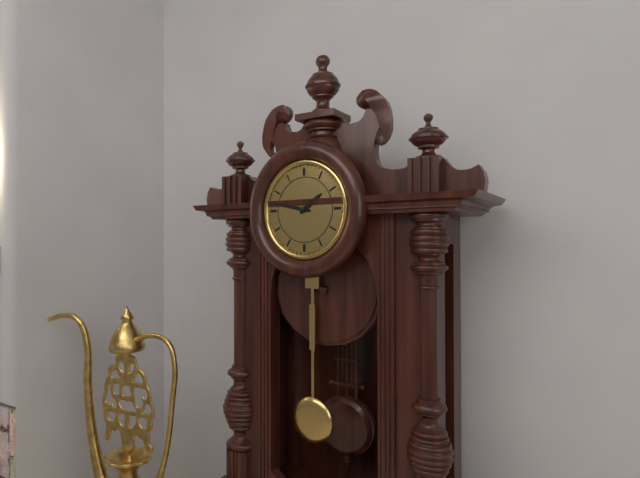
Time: **1:47**
